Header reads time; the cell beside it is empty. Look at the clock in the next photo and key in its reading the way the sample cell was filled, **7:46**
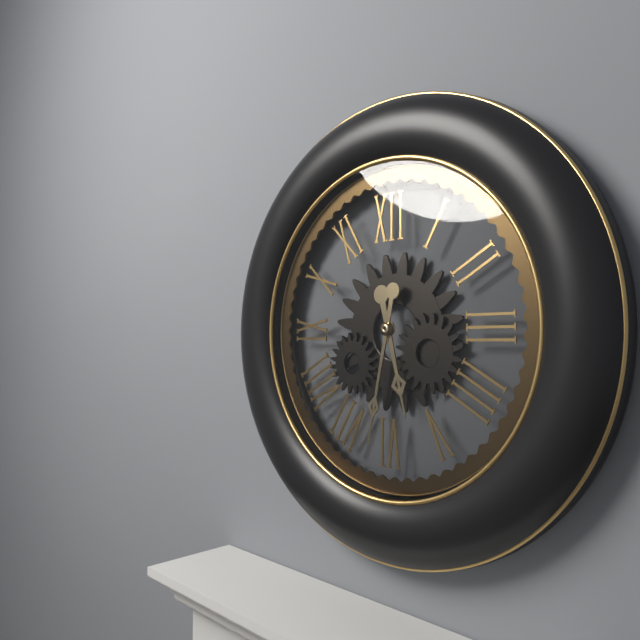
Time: **5:32**
